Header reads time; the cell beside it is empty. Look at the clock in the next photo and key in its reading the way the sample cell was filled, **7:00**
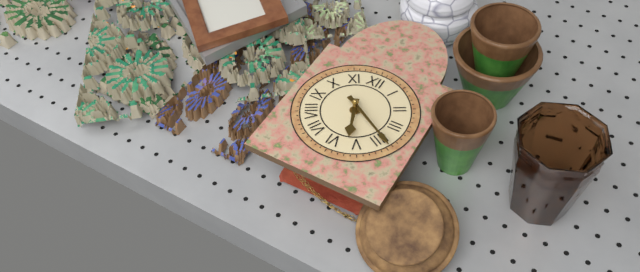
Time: **5:20**
